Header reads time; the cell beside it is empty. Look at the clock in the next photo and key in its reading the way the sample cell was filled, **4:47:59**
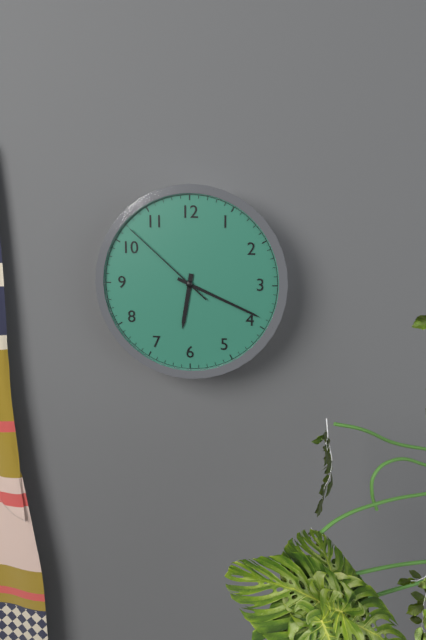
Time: **6:19:52**
